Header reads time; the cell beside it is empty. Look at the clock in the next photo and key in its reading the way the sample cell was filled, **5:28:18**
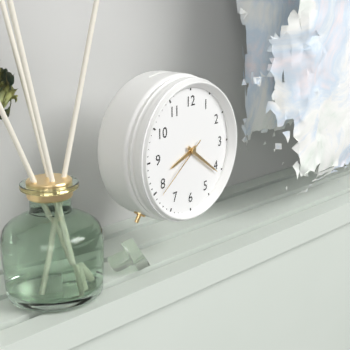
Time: **8:21:39**
